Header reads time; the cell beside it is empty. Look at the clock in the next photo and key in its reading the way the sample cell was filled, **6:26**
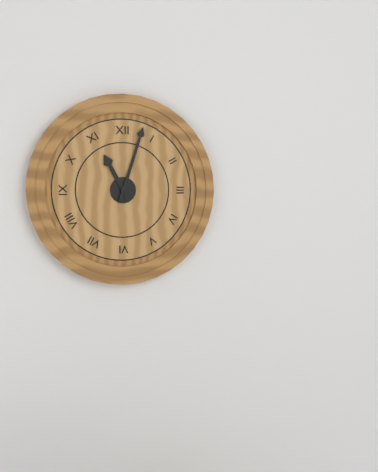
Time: **11:03**
